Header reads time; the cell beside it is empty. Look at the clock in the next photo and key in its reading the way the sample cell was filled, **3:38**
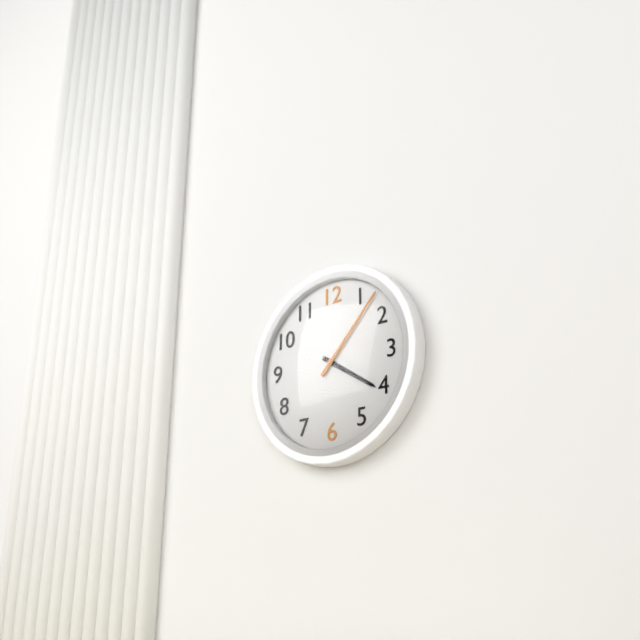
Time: **4:07**
